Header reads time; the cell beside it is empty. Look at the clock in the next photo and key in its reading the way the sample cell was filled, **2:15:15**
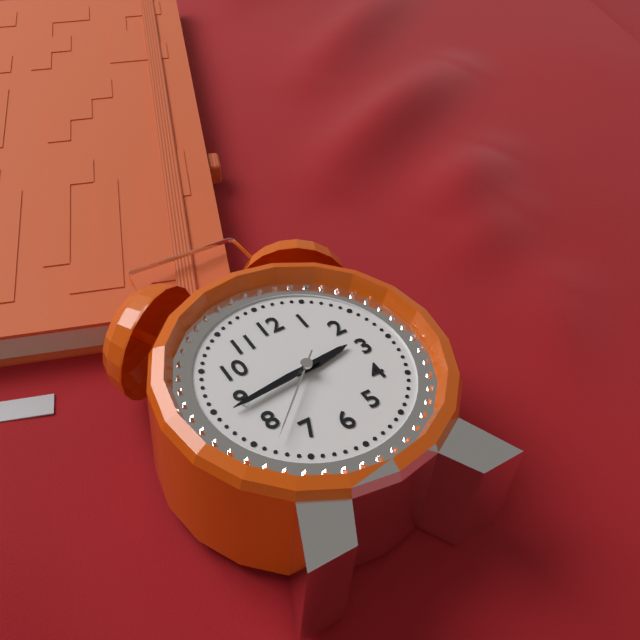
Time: **2:44:38**
